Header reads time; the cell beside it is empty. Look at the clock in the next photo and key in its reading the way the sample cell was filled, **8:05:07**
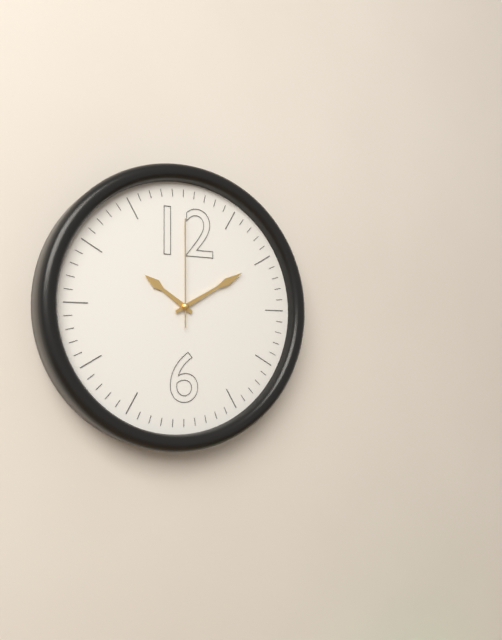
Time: **10:10:00**
